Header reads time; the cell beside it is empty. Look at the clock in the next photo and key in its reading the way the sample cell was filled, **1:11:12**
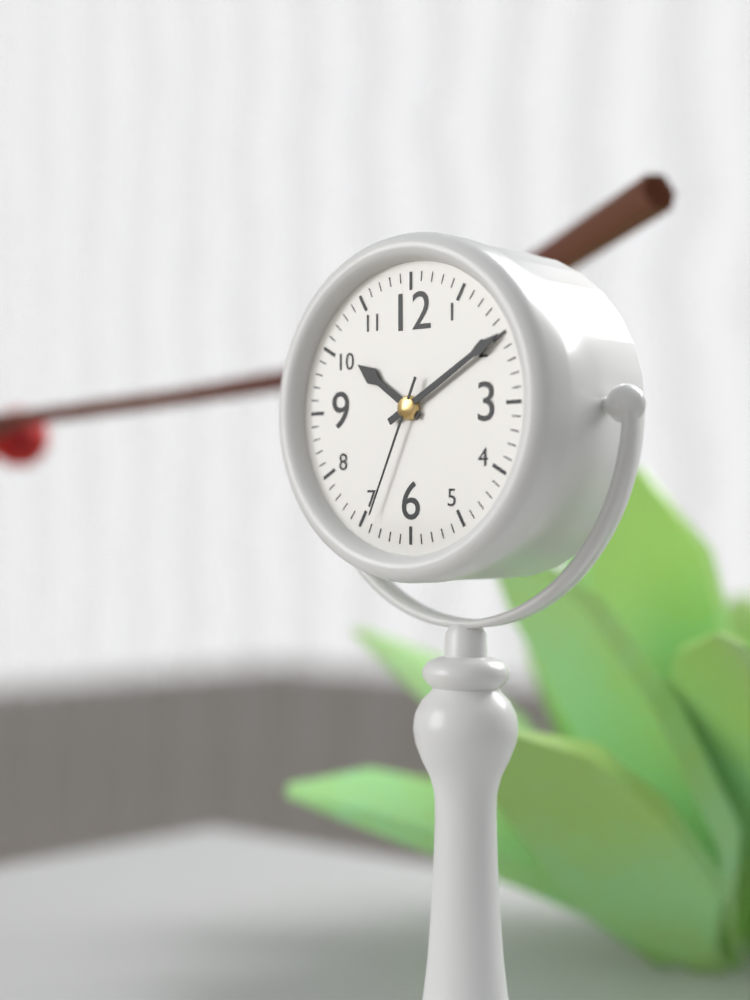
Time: **10:10:34**
